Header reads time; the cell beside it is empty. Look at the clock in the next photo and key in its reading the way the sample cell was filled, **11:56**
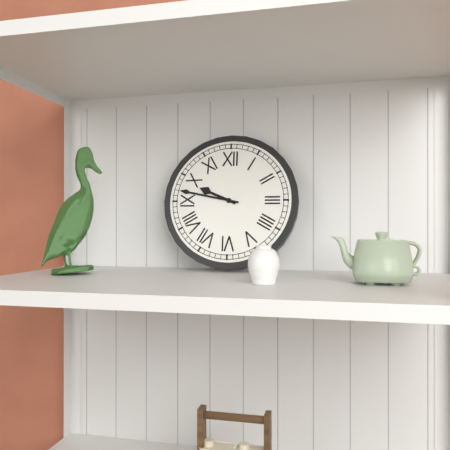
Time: **9:47**
